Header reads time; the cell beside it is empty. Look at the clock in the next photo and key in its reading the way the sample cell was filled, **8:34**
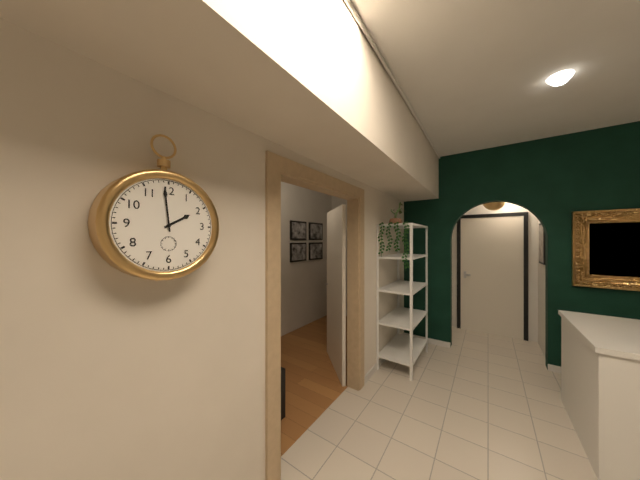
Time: **1:59**
